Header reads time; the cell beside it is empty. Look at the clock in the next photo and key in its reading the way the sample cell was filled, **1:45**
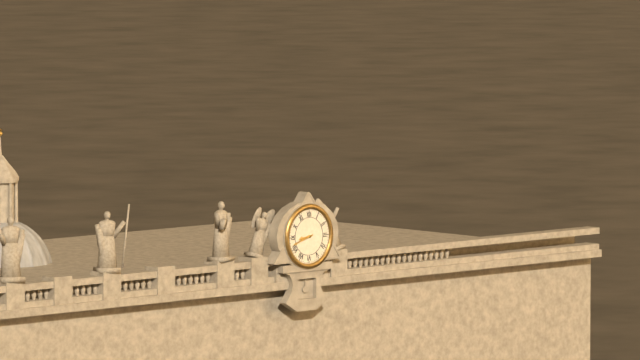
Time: **8:42**
